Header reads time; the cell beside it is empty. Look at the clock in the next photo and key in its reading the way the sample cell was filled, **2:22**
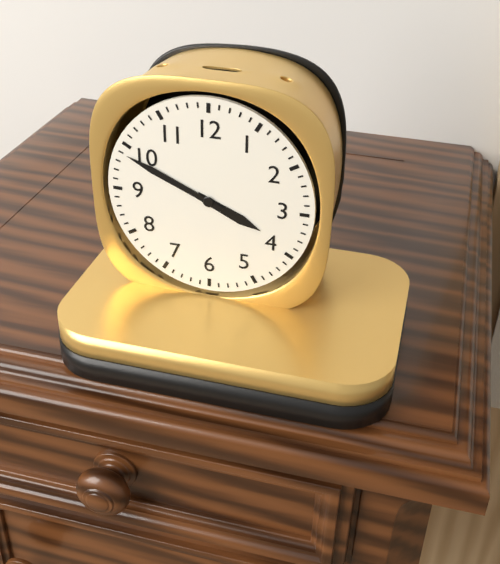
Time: **3:49**
